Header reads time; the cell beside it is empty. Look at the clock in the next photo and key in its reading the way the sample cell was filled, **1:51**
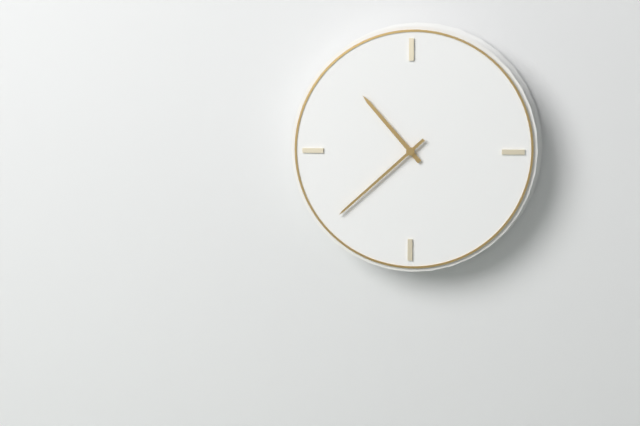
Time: **10:38**
